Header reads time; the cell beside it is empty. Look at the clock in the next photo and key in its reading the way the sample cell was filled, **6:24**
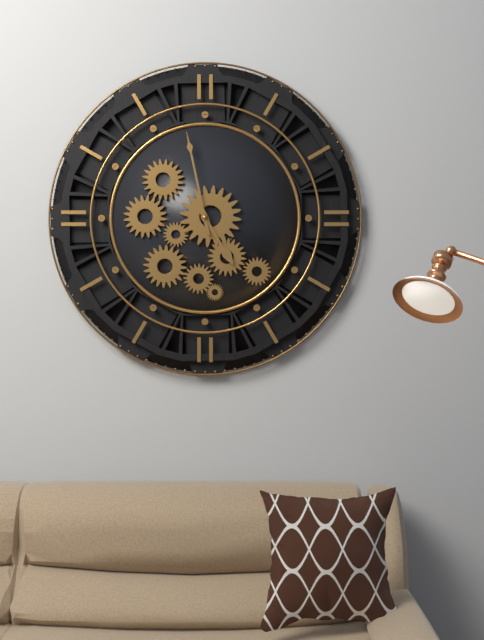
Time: **4:58**
